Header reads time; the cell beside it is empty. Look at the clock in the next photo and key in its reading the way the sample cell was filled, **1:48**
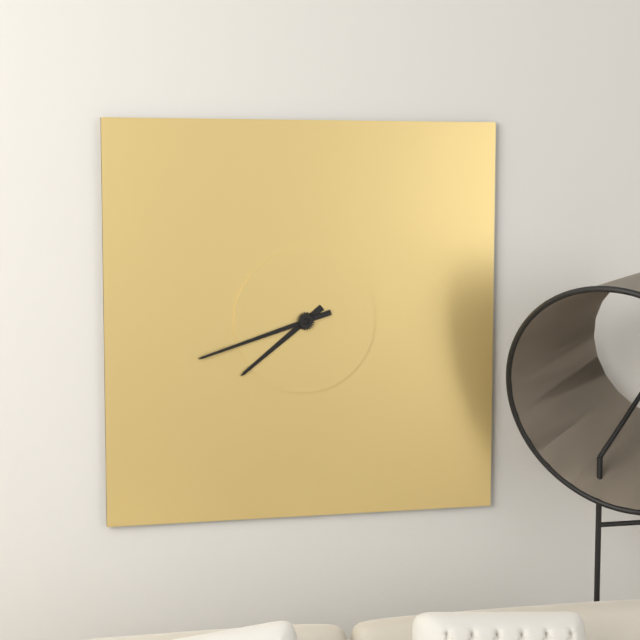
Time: **7:42**
